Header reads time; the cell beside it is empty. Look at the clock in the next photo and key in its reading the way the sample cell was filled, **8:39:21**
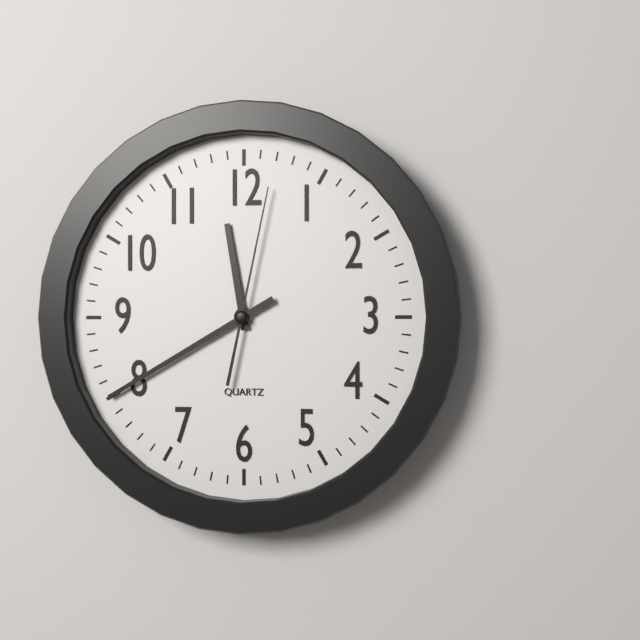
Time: **11:40:02**
